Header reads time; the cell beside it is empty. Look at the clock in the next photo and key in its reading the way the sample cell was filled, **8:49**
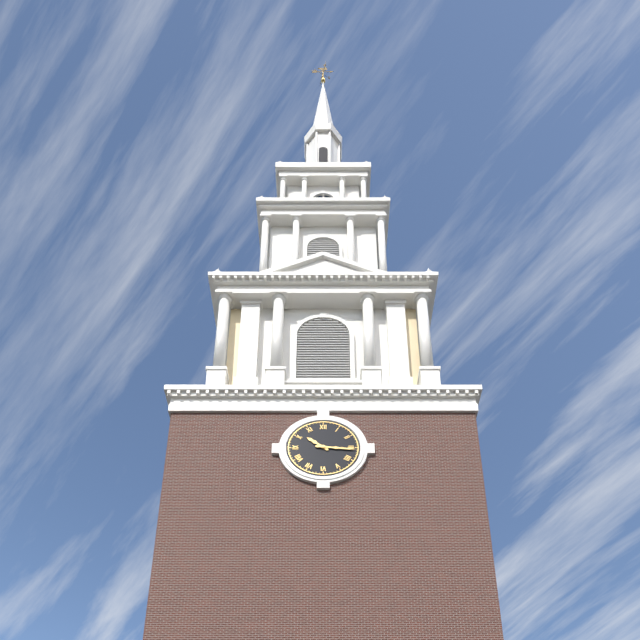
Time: **10:16**
